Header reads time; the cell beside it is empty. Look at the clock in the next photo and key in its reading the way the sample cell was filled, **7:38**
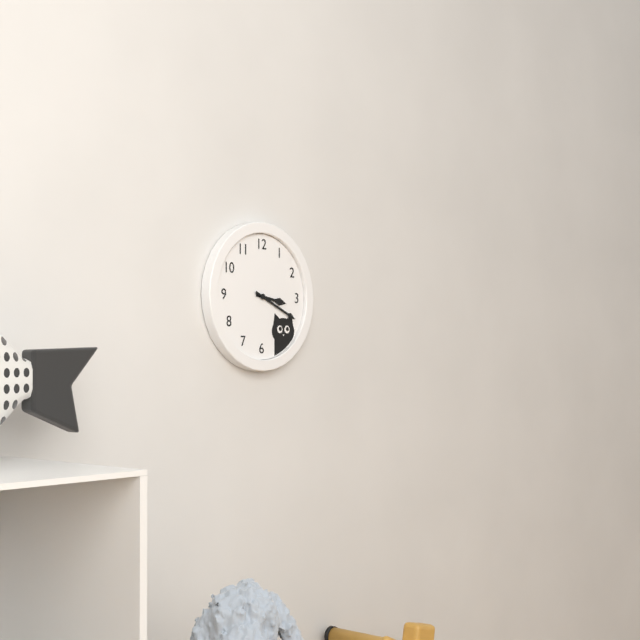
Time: **3:19**
